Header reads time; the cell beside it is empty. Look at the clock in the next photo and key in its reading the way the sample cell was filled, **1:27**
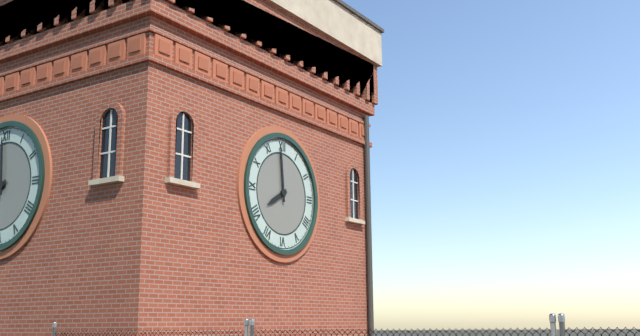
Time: **7:59**
